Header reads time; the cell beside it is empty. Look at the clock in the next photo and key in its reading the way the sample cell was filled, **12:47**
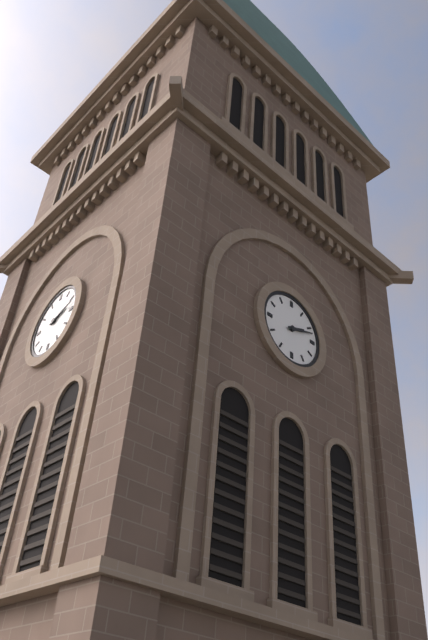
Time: **2:12**
